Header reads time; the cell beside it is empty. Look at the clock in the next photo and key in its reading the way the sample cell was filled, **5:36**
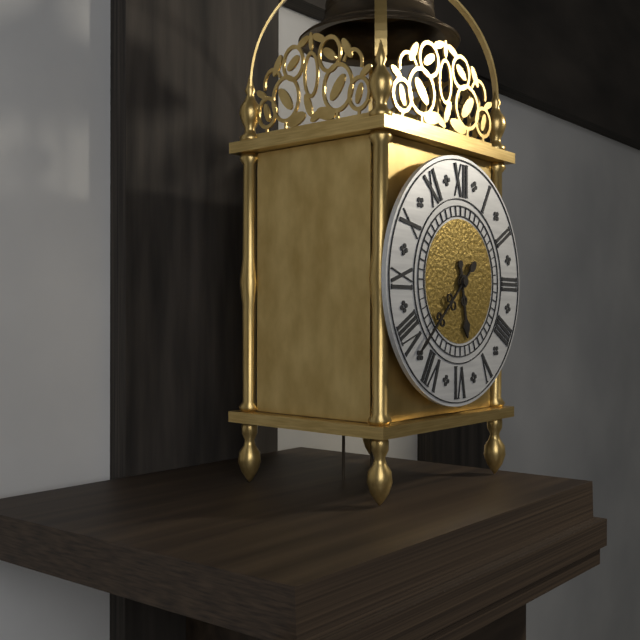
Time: **5:38**
